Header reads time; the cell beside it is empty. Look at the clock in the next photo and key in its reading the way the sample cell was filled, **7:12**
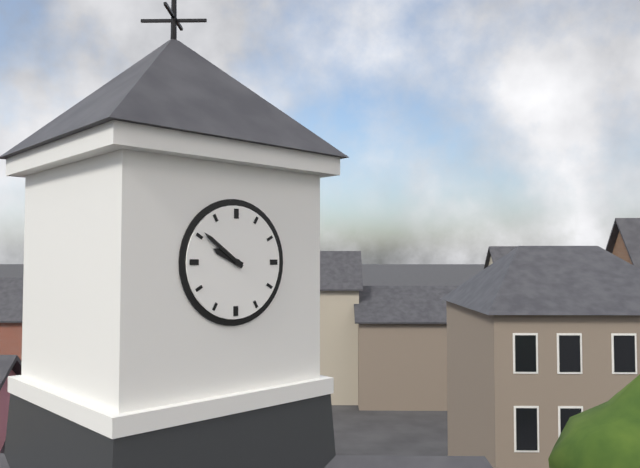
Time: **9:51**
